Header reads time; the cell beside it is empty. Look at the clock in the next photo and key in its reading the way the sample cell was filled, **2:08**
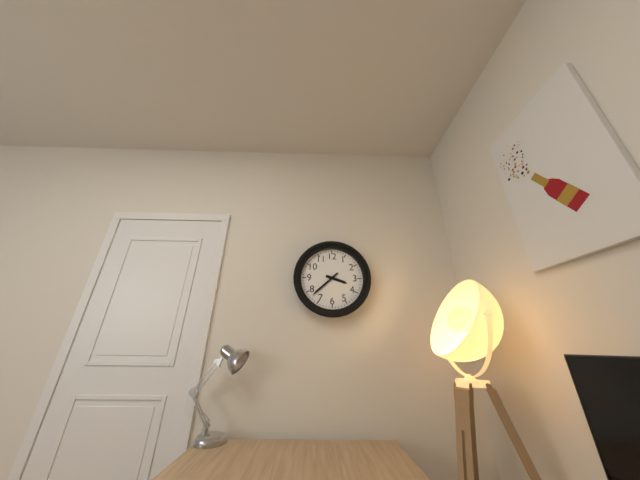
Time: **3:38**
